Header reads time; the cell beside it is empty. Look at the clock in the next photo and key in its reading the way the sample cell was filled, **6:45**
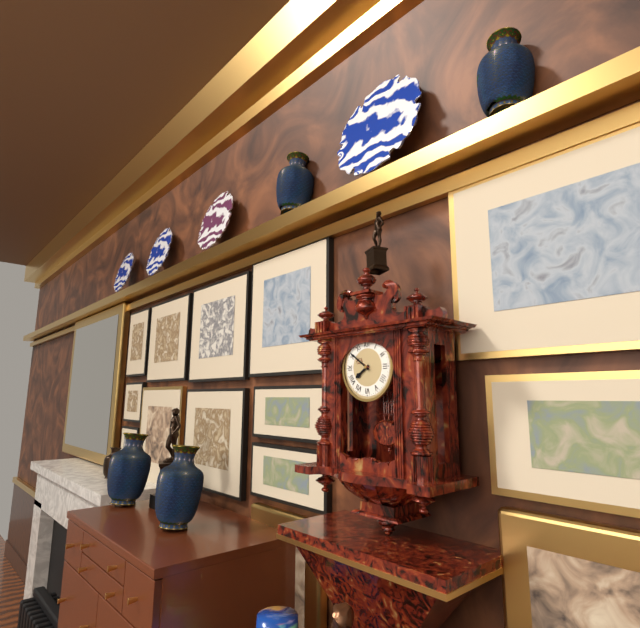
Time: **7:51**
